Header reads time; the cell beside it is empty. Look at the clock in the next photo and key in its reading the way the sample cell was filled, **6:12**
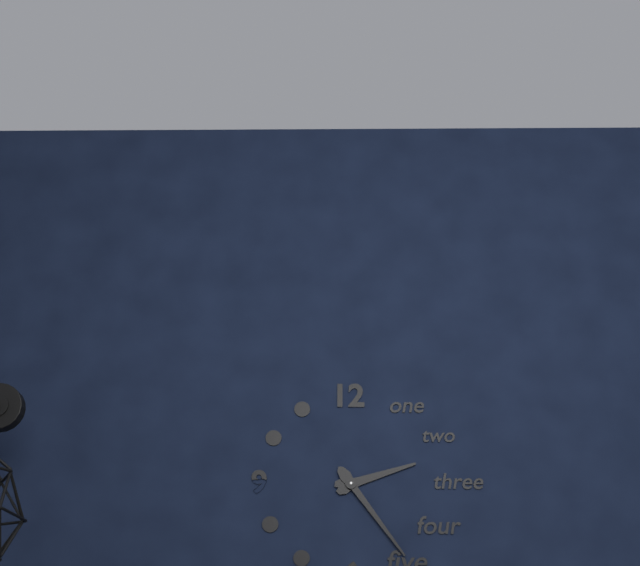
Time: **2:24**
